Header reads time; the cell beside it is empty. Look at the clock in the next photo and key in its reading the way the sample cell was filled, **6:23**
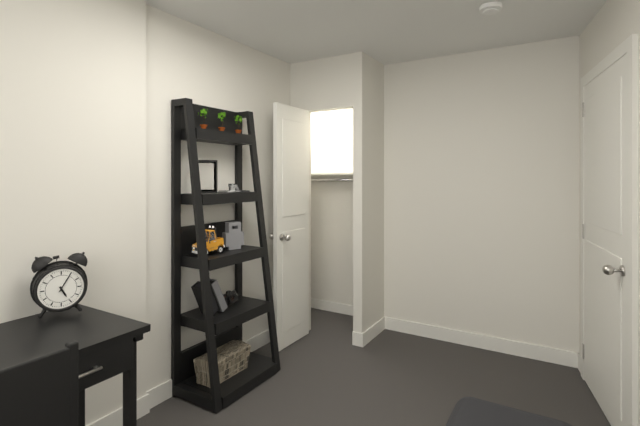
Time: **5:05**
